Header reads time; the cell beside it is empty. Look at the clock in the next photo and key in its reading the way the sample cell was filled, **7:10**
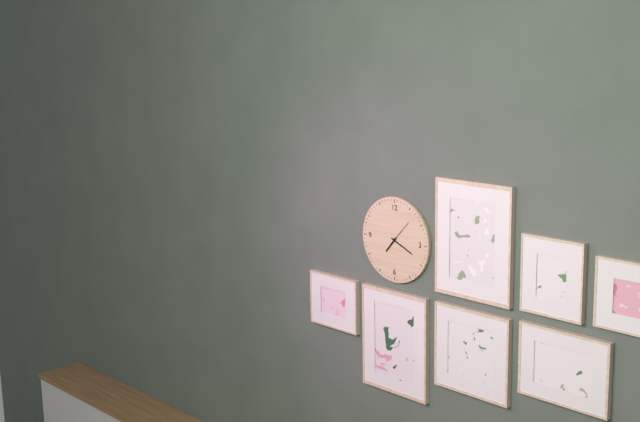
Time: **7:19**
